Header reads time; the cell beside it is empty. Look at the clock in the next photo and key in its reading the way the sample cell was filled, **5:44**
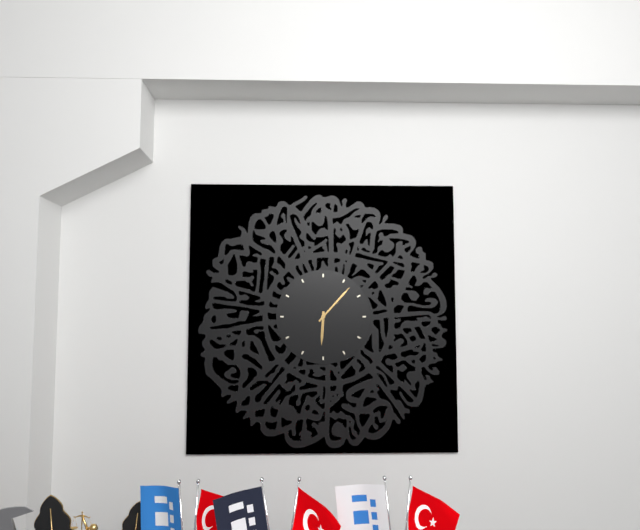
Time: **6:07**
